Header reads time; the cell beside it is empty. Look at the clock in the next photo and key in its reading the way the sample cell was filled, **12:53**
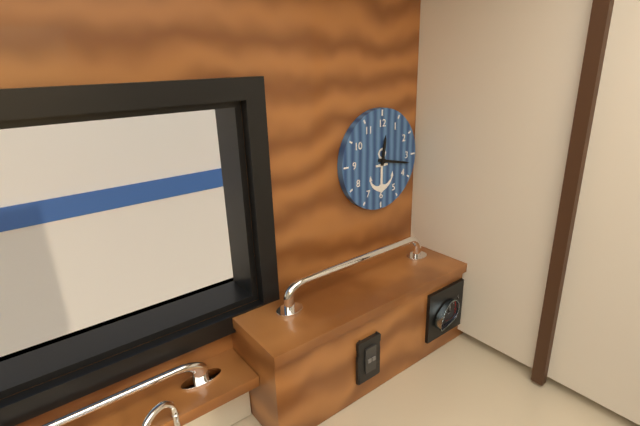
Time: **12:17**
